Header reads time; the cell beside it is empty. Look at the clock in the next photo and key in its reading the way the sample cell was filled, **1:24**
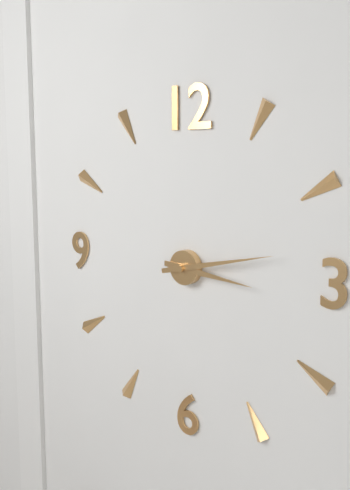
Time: **3:13**
